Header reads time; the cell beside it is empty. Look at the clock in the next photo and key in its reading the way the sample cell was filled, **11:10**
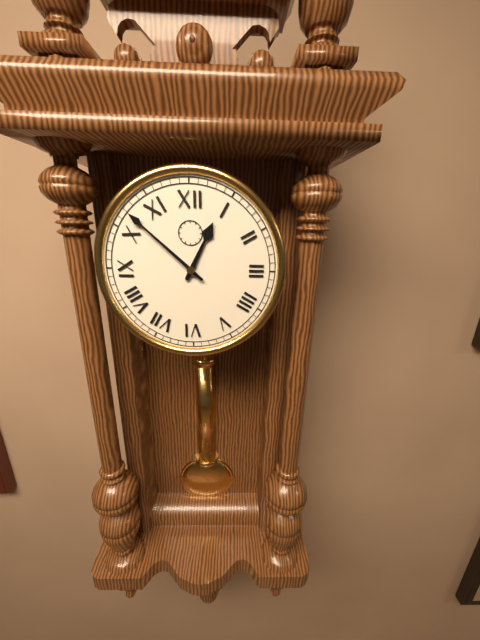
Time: **12:52**
